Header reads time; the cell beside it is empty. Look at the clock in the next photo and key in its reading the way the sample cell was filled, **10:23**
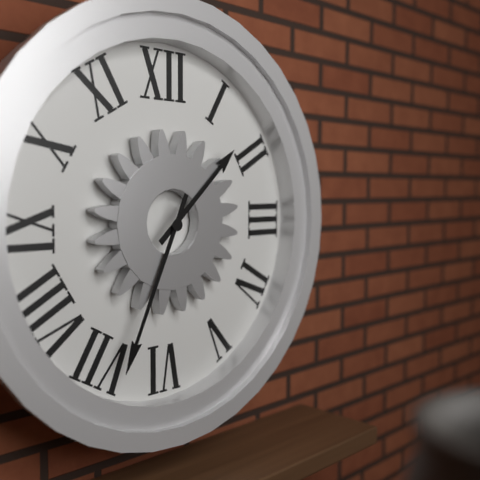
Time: **1:34**
